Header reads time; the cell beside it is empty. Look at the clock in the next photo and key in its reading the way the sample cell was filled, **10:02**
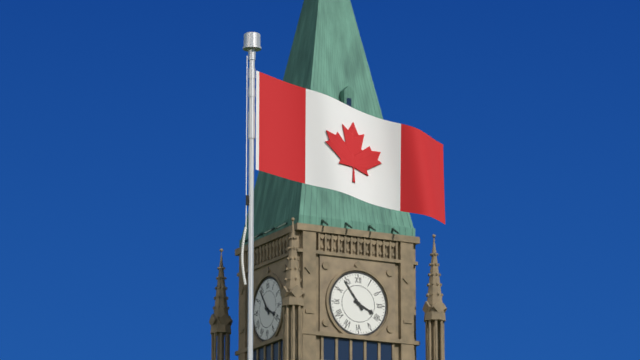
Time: **3:54**
